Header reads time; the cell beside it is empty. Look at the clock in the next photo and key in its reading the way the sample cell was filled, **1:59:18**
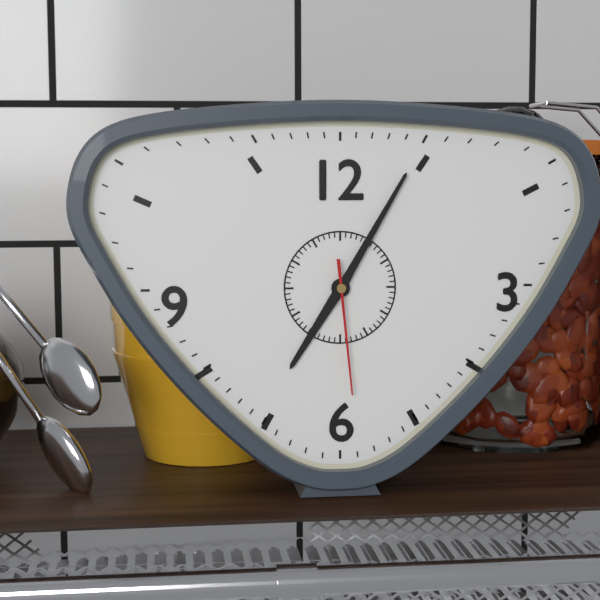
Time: **7:05:29**
